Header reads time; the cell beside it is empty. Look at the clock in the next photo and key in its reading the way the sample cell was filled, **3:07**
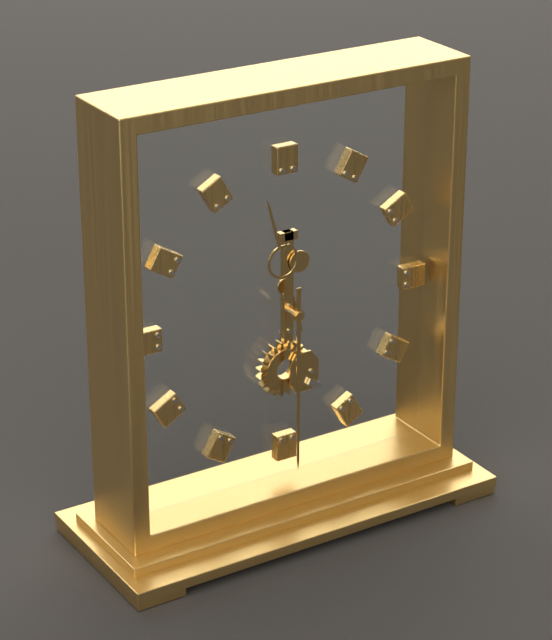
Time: **11:30**
